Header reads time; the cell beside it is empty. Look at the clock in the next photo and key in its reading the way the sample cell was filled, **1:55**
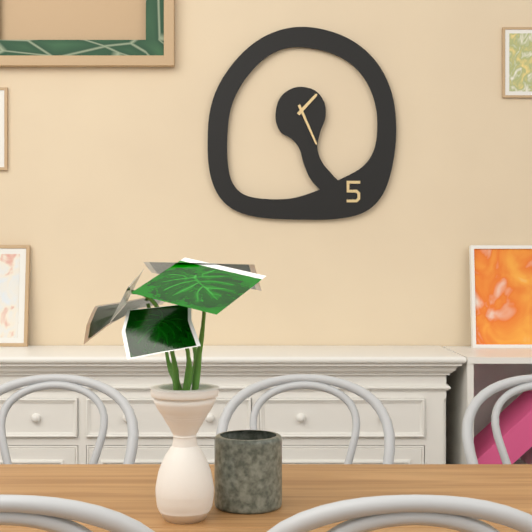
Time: **1:26**
